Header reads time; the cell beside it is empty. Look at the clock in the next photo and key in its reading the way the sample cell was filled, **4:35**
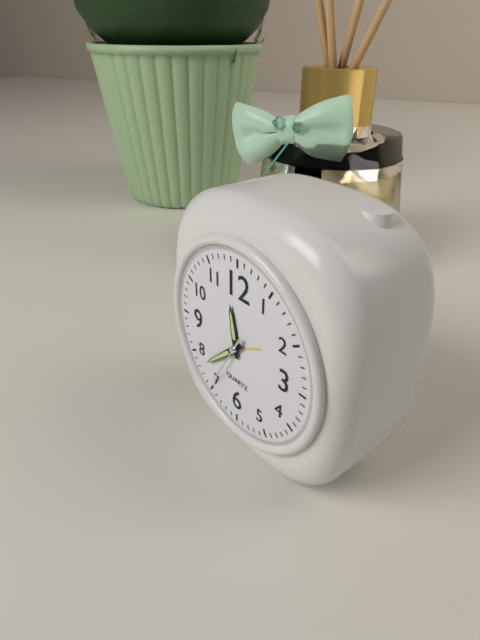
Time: **11:38**
